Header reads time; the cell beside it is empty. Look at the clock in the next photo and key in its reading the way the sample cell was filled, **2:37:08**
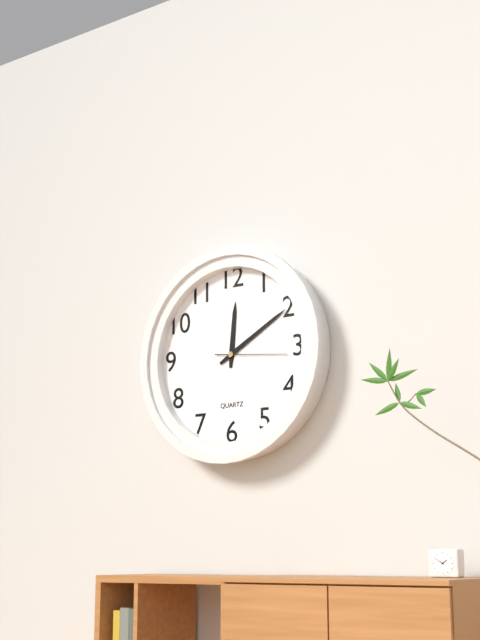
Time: **12:10:16**
